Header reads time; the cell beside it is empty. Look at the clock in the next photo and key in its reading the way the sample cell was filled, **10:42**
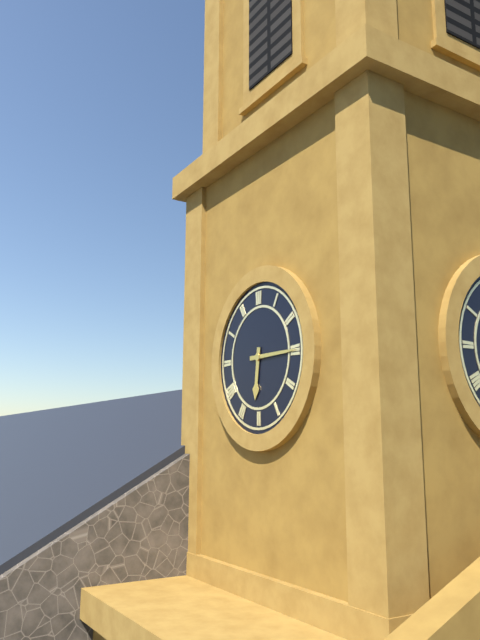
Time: **6:15**
